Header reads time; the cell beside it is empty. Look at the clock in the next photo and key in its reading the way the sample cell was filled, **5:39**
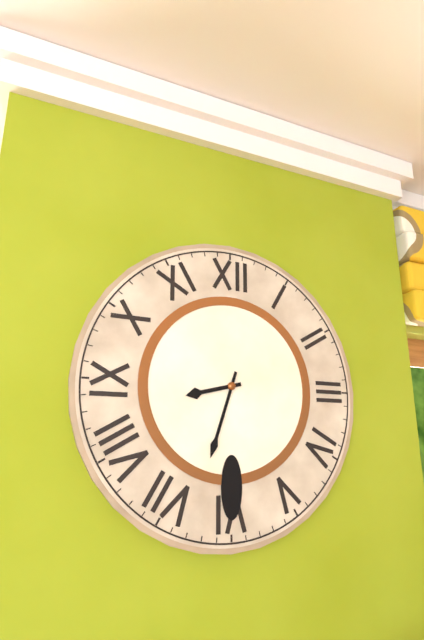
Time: **8:33**
